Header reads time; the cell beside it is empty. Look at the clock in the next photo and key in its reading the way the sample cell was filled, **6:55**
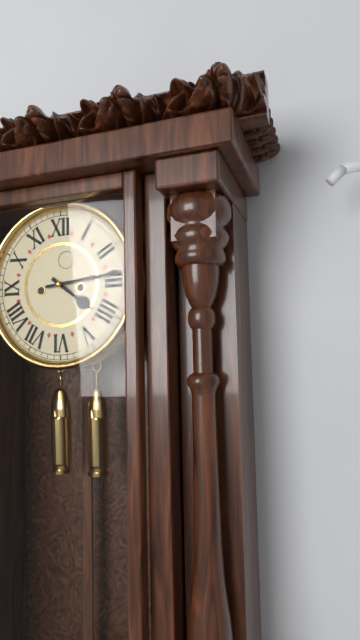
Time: **4:14**
